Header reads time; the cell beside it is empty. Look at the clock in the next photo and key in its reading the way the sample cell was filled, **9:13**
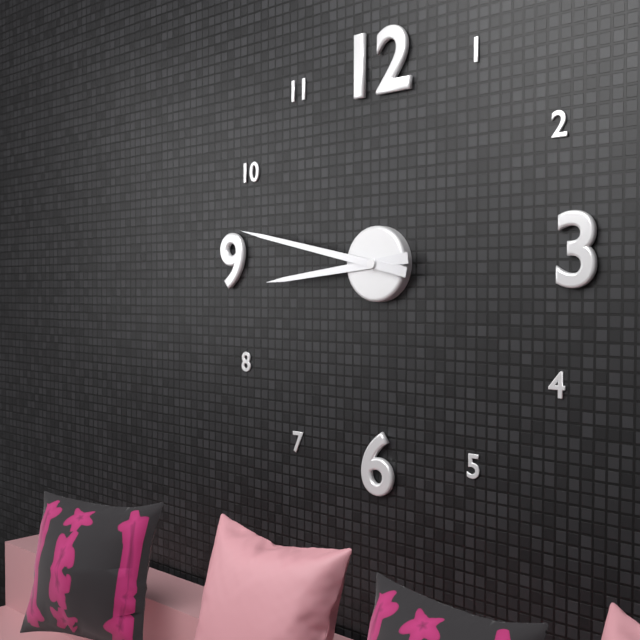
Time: **8:47**
